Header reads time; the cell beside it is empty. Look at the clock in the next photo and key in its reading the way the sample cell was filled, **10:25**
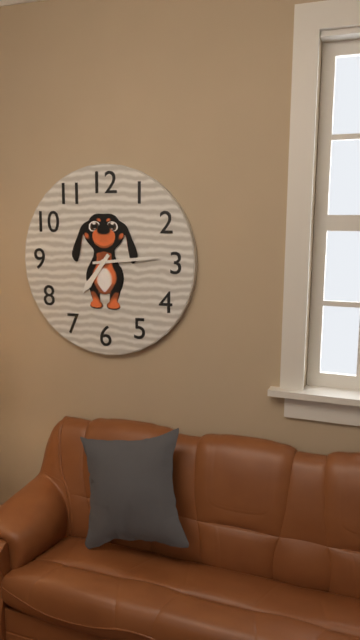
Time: **7:14**
